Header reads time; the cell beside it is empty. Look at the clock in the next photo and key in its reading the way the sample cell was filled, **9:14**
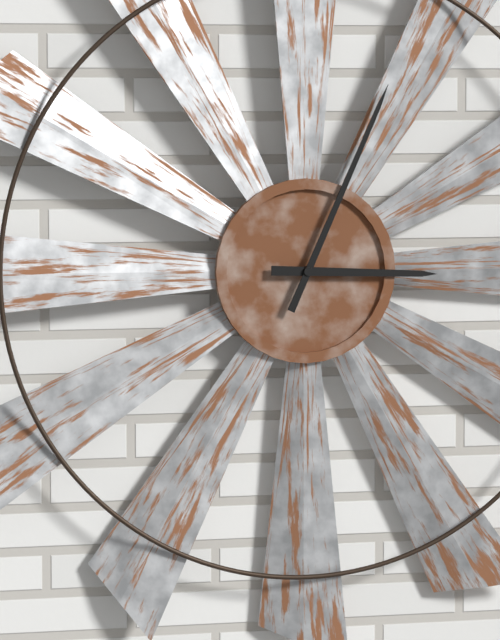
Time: **3:04**
